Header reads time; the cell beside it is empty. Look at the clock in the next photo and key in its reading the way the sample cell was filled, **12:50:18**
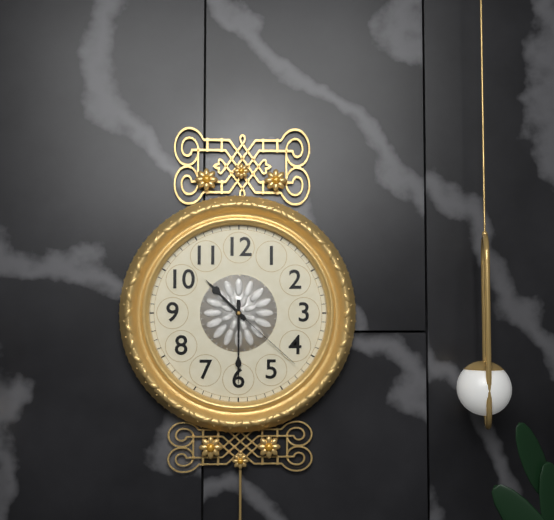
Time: **10:30:22**
